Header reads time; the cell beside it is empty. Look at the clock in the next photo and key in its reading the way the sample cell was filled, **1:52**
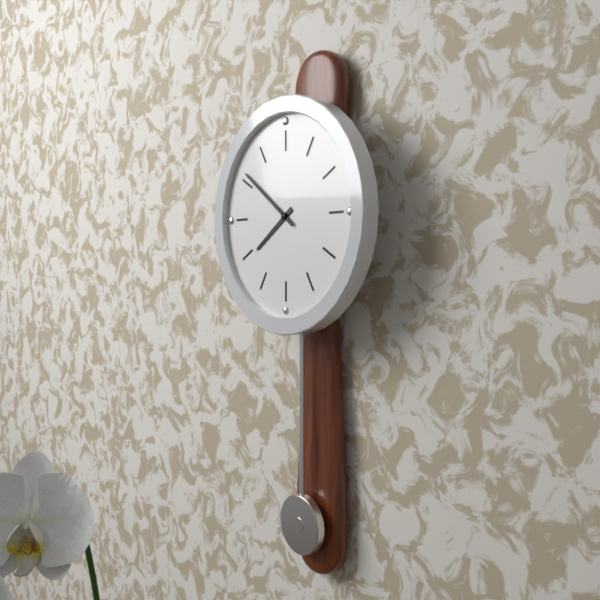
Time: **7:51**
